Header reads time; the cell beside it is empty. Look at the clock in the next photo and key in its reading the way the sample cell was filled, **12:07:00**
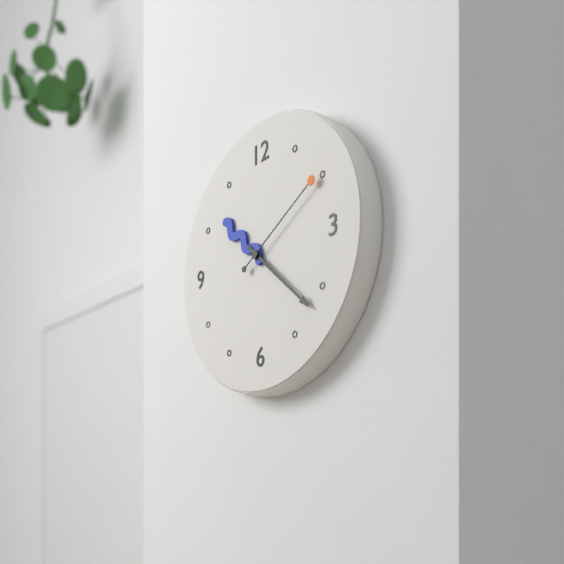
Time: **10:22:10**
